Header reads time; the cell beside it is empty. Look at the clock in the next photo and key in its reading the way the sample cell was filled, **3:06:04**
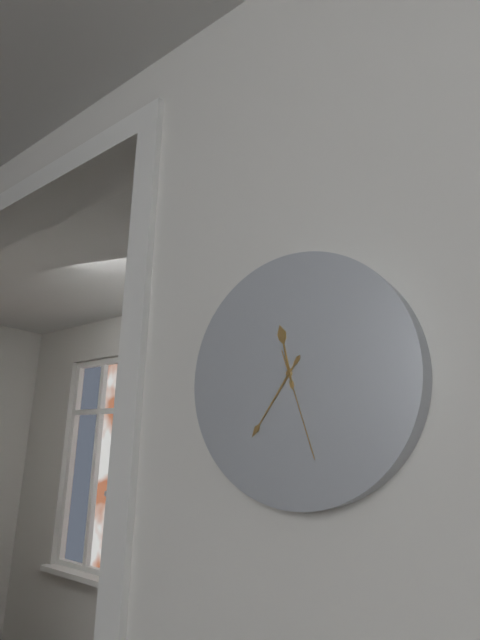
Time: **11:36:27**
